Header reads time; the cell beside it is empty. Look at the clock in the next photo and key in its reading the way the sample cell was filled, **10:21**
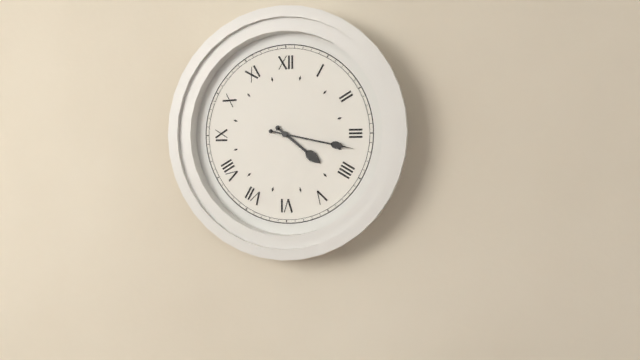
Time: **4:17**
